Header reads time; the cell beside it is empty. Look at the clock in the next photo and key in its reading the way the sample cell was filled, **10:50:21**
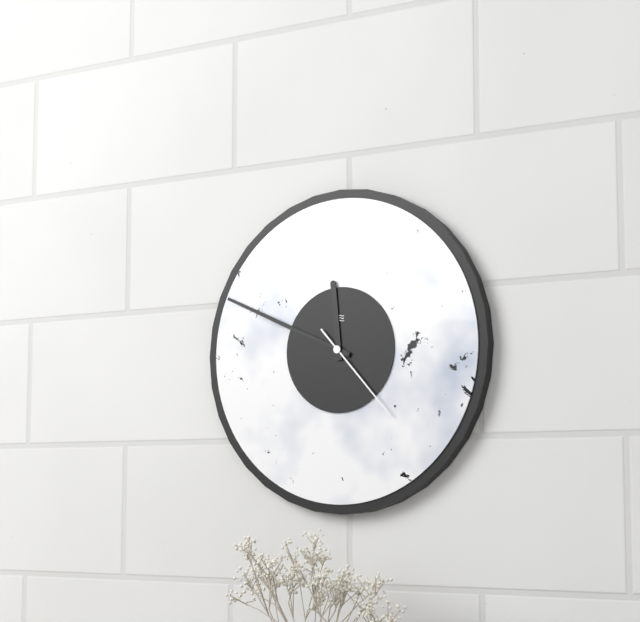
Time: **11:49:23**
